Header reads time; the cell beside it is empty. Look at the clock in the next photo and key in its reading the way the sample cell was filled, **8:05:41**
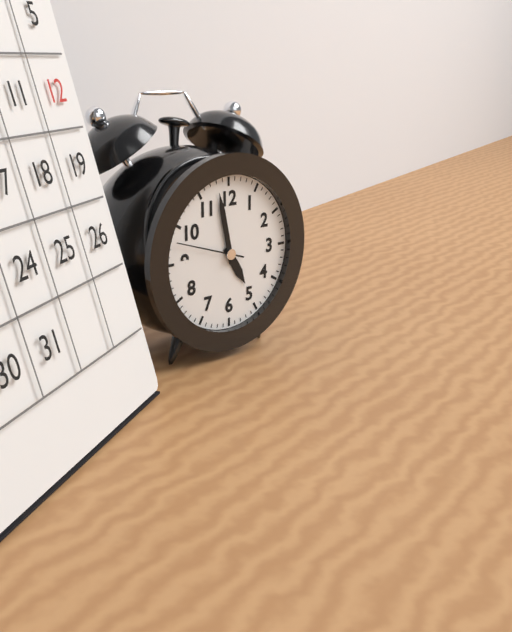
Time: **4:58:48**
